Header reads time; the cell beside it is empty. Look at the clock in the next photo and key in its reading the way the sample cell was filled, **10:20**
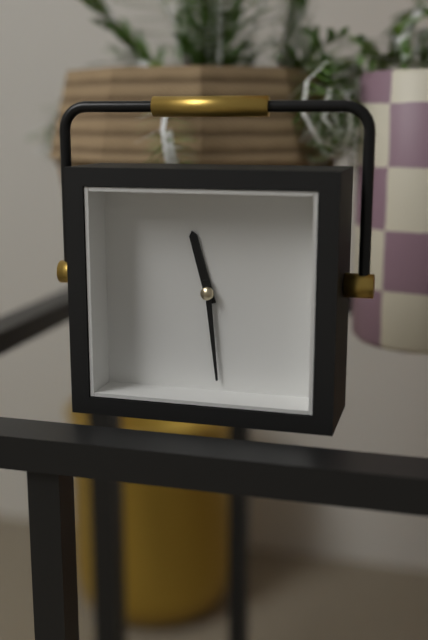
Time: **11:29**
